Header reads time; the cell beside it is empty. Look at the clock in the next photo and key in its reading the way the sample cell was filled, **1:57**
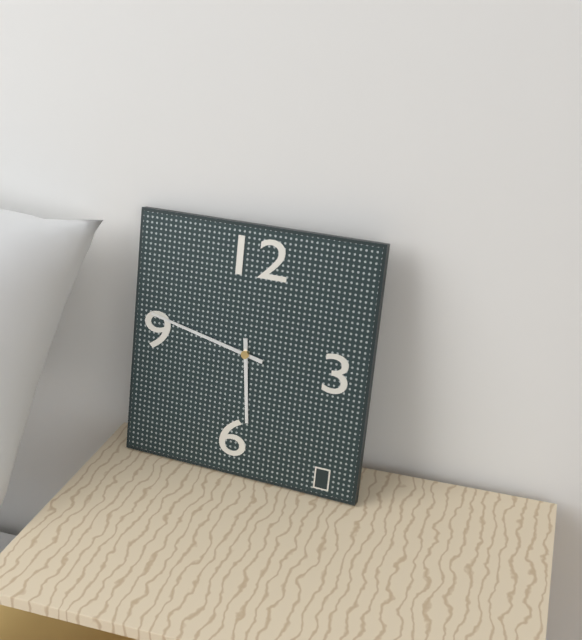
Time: **5:47**
